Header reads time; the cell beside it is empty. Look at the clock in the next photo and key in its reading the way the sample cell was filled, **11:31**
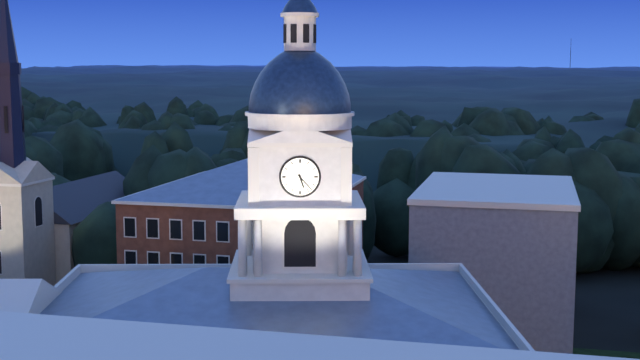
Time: **5:23**
